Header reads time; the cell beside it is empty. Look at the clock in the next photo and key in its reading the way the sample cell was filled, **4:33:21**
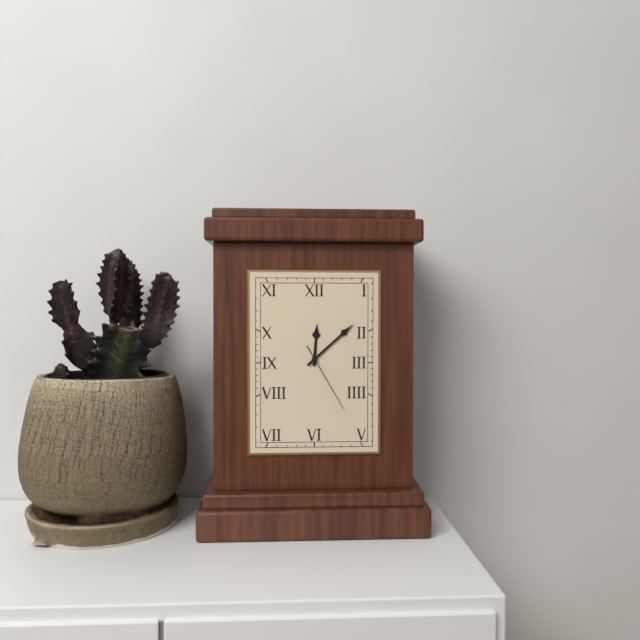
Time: **12:08:25**
